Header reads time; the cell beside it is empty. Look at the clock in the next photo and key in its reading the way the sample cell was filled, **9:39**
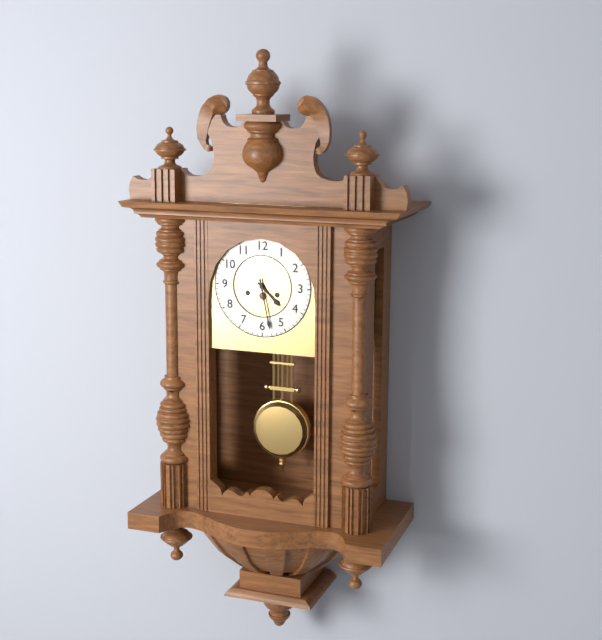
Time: **4:28**
